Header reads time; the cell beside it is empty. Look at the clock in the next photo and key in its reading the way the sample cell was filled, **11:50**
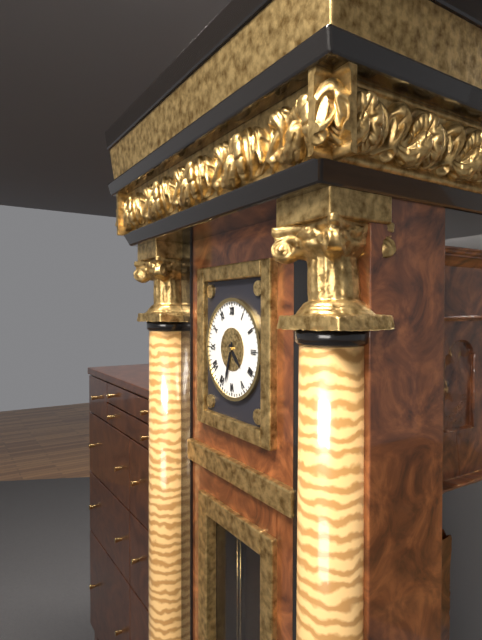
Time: **4:33**
